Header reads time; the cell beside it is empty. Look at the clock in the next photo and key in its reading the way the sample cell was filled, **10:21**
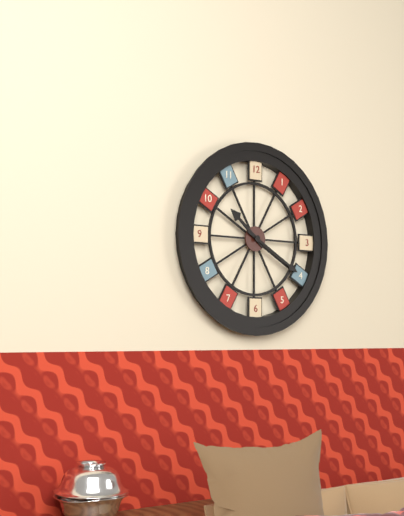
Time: **10:20**
